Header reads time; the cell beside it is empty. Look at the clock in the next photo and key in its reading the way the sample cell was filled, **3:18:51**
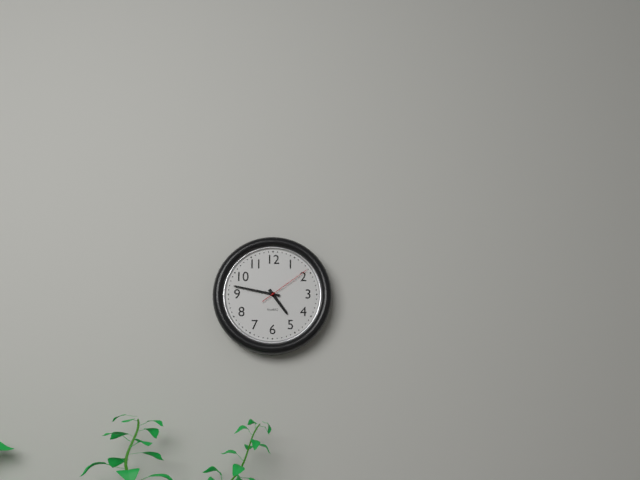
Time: **4:47:09**
